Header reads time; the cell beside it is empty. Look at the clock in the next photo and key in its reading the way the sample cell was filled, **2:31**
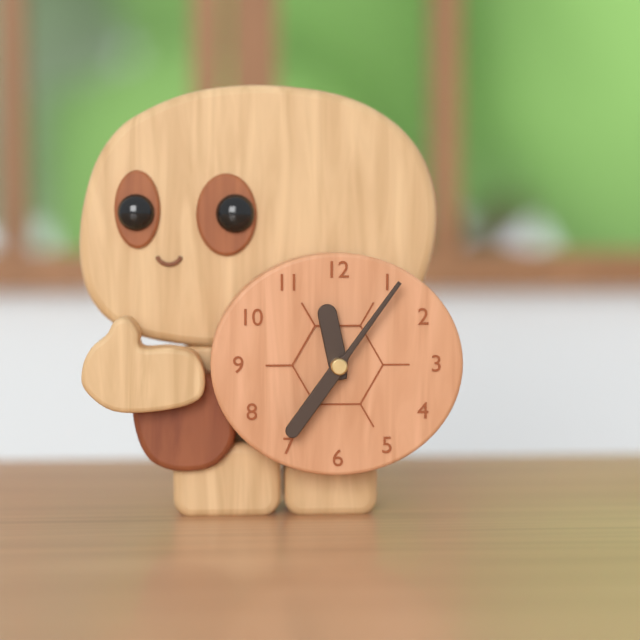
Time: **11:36**
